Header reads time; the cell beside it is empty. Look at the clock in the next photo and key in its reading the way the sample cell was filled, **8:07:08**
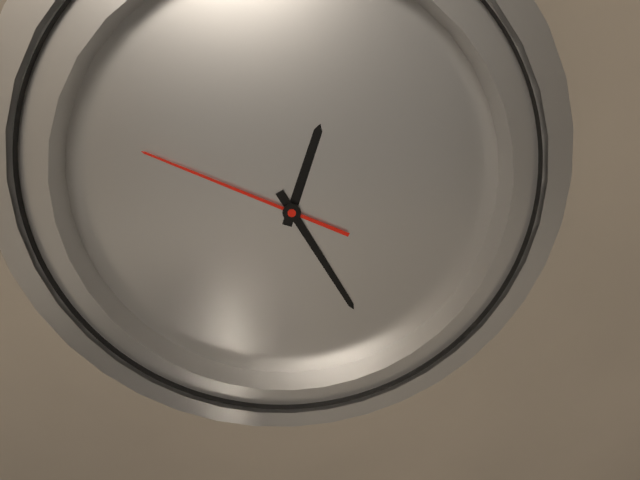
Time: **12:24:48**
